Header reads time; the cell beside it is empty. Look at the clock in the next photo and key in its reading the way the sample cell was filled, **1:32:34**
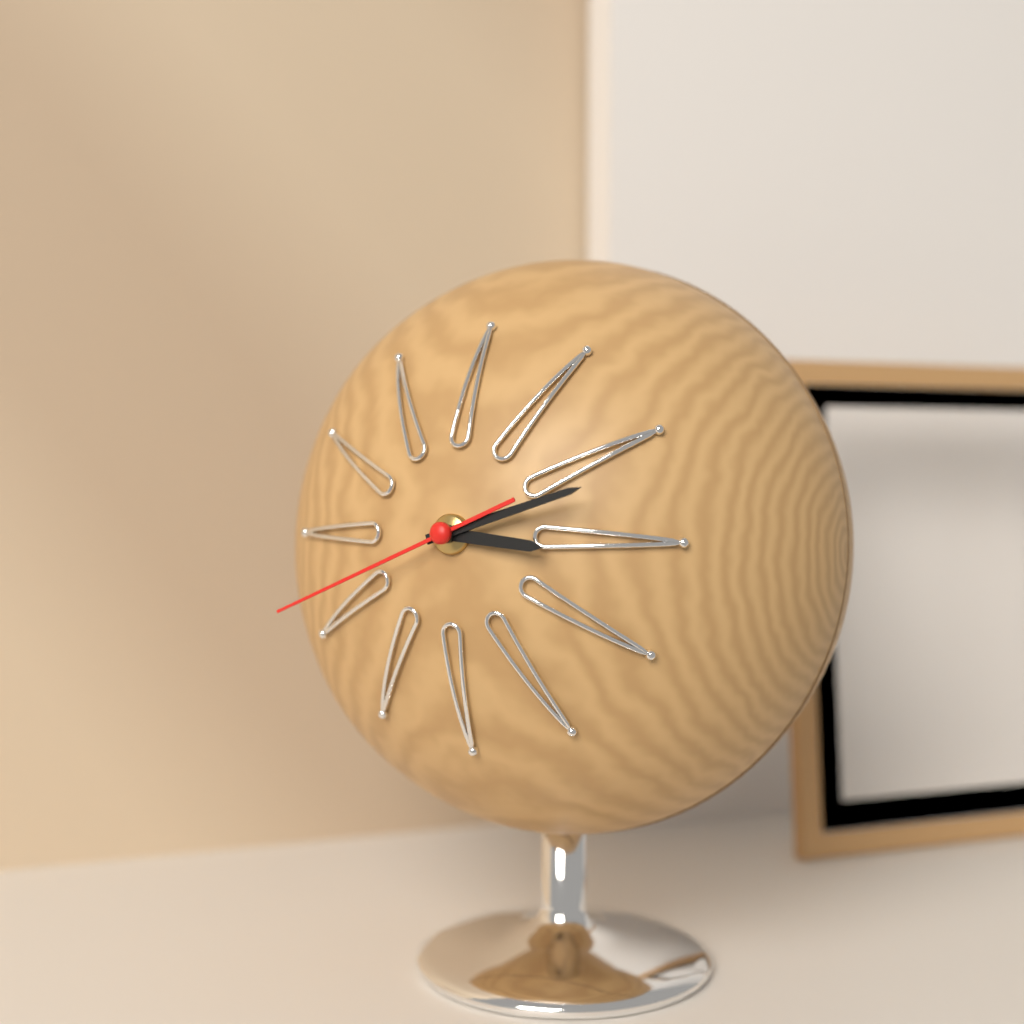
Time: **3:12:41**
